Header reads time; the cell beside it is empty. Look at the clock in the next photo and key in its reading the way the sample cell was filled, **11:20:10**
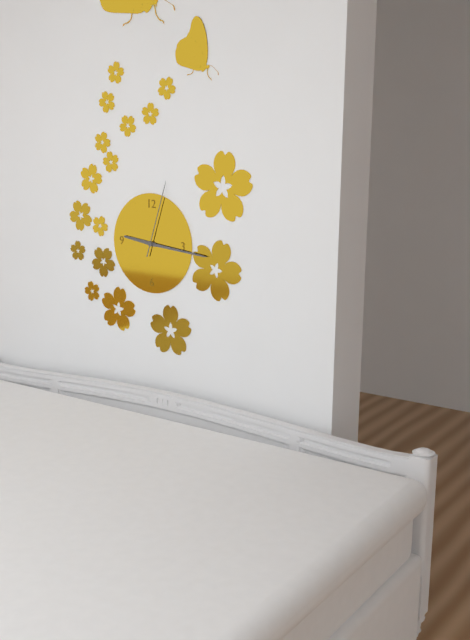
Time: **9:16:03**
